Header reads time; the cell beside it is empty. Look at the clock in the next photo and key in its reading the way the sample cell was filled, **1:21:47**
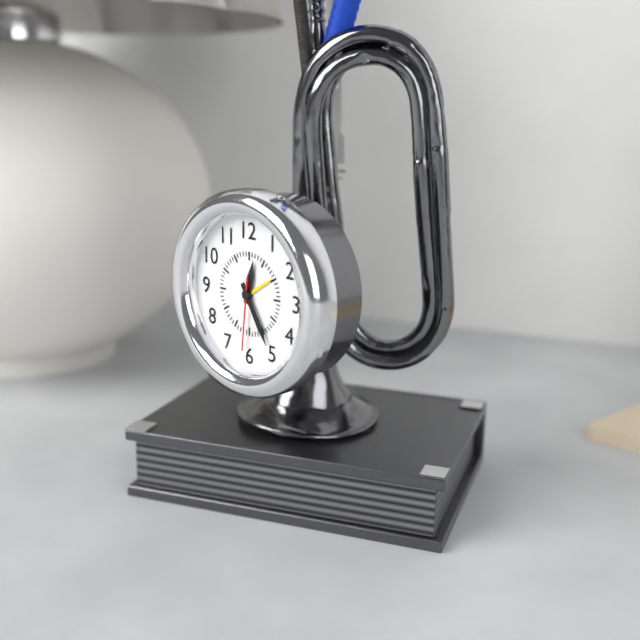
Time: **12:25:31**
